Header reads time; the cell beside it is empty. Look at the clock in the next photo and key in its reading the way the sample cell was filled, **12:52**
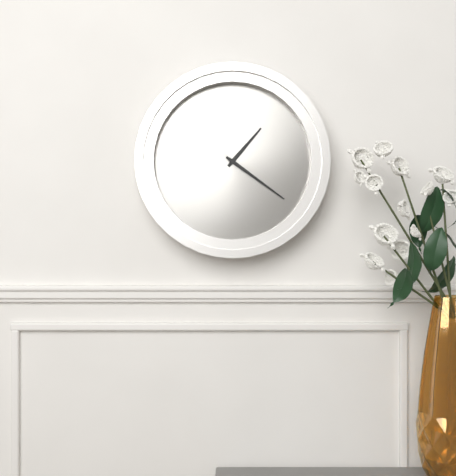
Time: **1:21**
